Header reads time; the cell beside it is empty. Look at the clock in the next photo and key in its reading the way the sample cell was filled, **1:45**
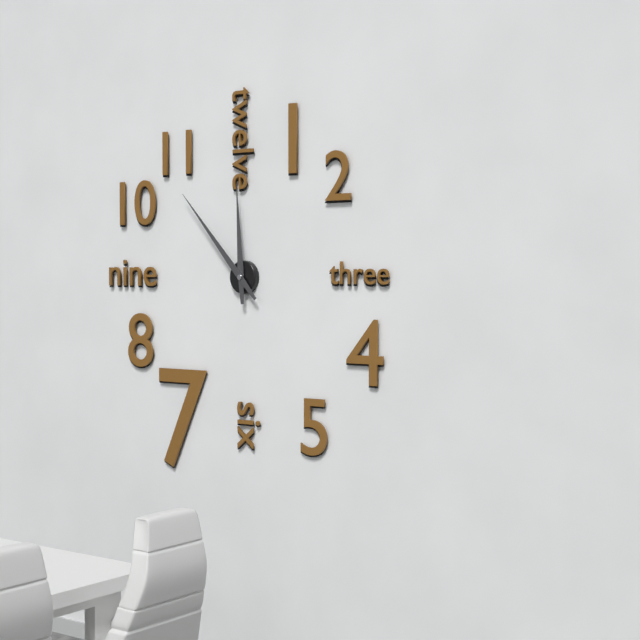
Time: **11:53**
